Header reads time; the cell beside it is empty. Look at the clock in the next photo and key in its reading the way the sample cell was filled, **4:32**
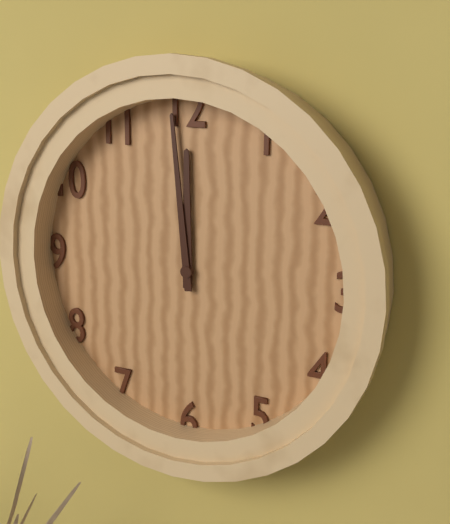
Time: **11:59**
